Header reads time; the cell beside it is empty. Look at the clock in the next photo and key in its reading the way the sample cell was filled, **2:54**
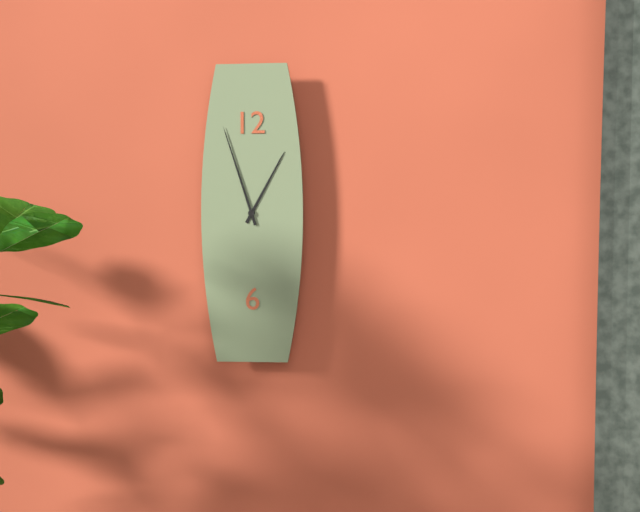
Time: **12:57**
